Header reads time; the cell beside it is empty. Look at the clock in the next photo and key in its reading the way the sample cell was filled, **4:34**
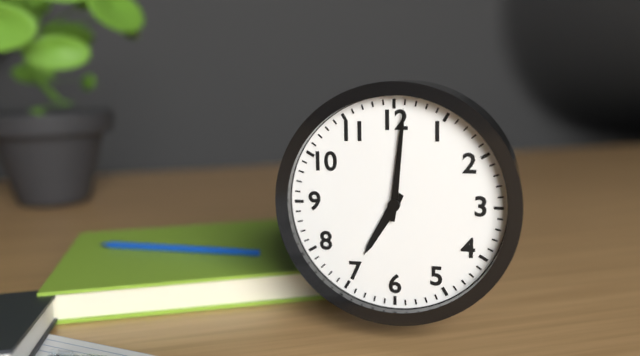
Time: **7:01**
